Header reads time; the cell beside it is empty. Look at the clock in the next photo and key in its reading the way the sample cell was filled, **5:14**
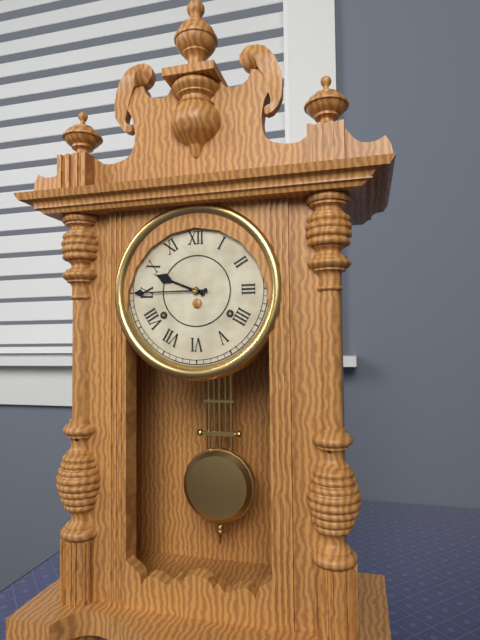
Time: **9:45**
